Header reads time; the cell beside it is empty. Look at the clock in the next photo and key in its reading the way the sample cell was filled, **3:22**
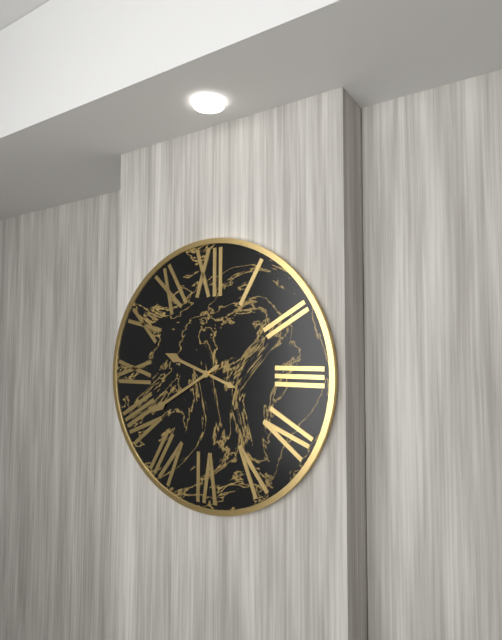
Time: **9:40**
